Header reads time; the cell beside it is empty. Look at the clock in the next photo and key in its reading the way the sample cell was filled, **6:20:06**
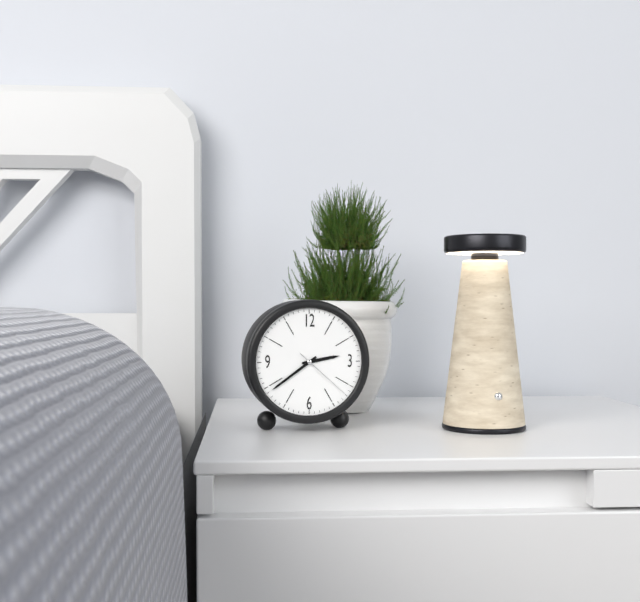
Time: **2:39:22**
